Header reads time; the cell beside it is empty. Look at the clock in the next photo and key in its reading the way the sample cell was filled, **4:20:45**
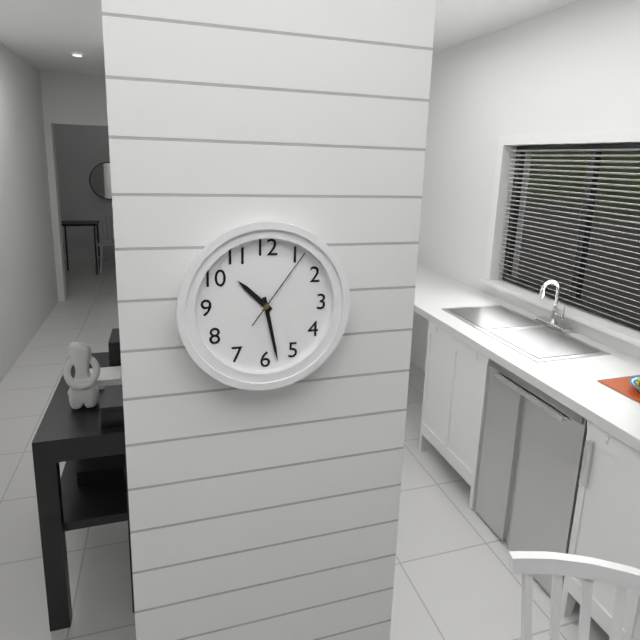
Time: **10:28:06**
